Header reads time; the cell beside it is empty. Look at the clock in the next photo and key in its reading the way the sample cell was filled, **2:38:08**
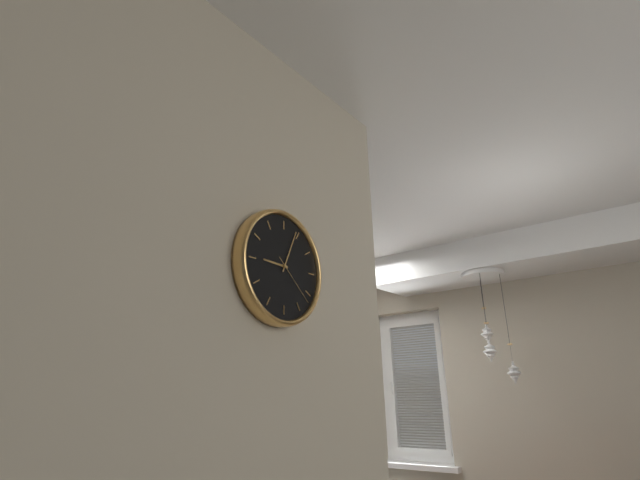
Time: **9:04:22**
